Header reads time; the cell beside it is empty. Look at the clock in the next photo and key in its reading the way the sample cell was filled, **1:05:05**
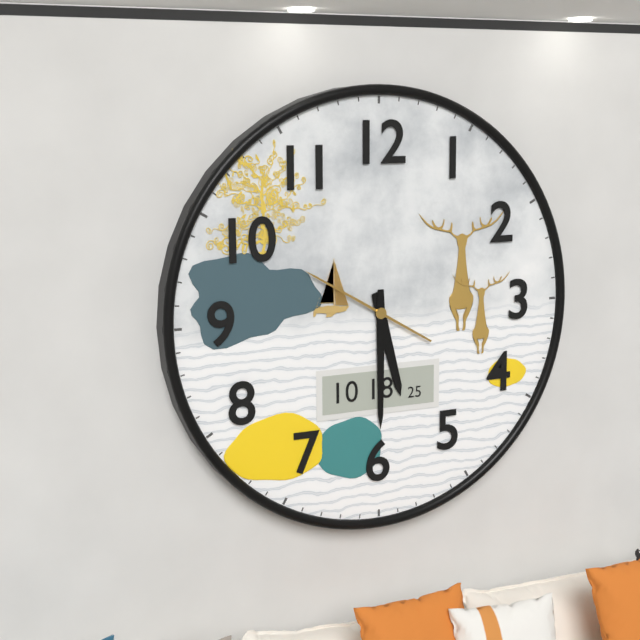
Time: **5:30:50**
